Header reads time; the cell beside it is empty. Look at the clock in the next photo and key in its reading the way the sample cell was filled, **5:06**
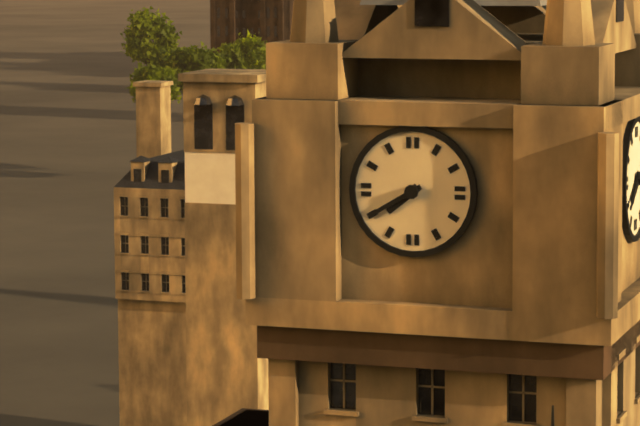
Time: **7:40**
